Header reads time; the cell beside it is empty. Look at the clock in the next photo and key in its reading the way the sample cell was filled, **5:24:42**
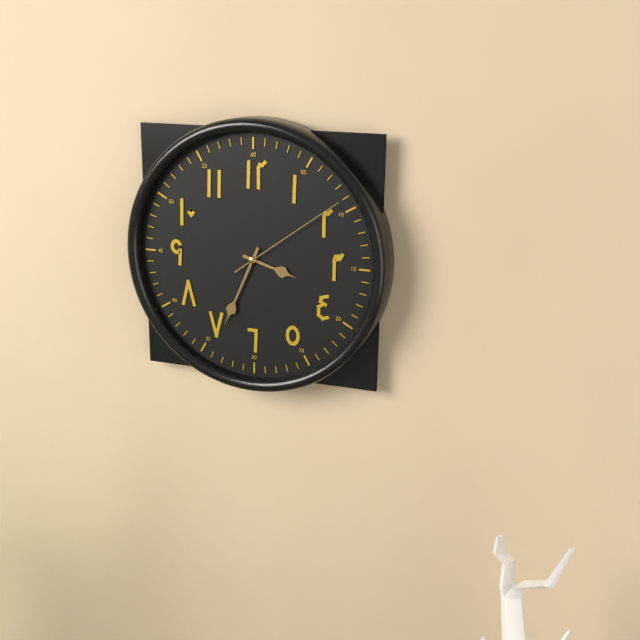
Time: **3:34:09**
